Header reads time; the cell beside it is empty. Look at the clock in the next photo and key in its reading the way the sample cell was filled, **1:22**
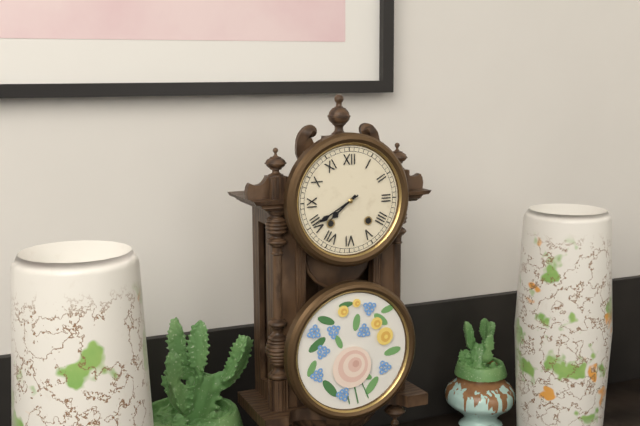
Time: **7:40**
